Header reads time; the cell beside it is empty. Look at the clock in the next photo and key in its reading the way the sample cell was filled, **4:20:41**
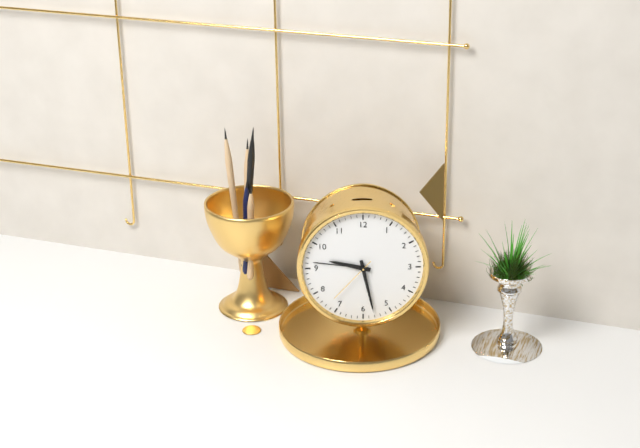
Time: **9:28:37**
